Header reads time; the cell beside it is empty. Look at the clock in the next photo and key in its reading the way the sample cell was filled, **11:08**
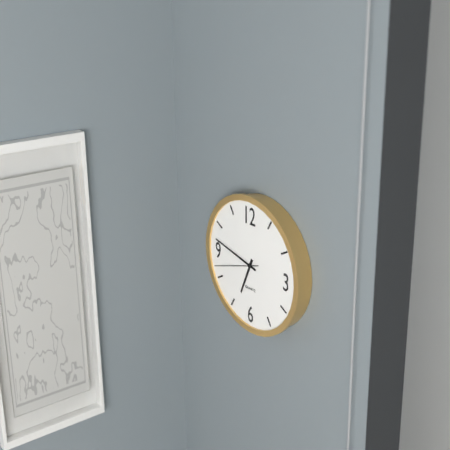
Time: **6:47**
